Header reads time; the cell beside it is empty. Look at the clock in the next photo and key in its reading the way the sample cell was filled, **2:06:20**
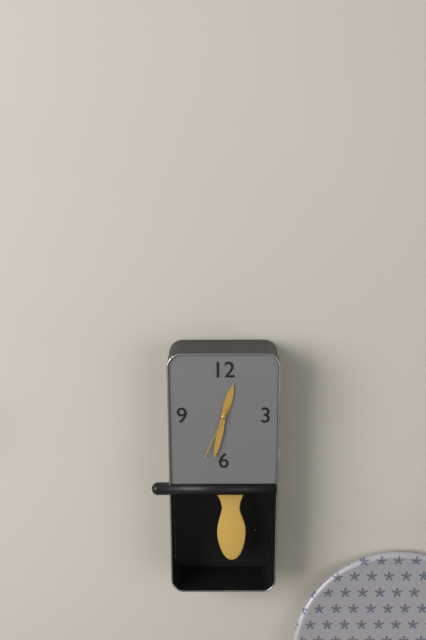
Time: **12:32:34**
